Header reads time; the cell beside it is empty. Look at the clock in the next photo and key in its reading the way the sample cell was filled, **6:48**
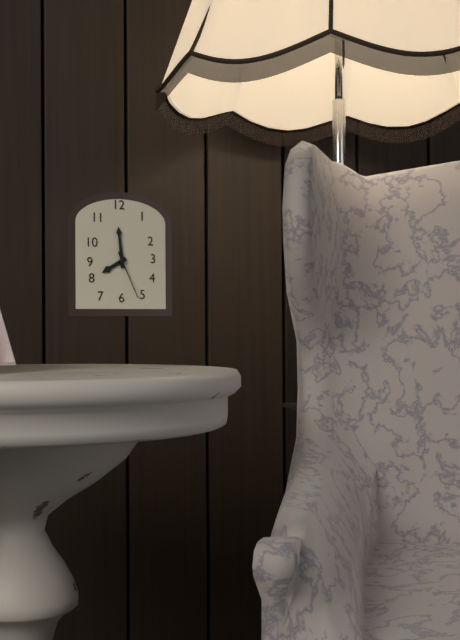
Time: **7:59**
